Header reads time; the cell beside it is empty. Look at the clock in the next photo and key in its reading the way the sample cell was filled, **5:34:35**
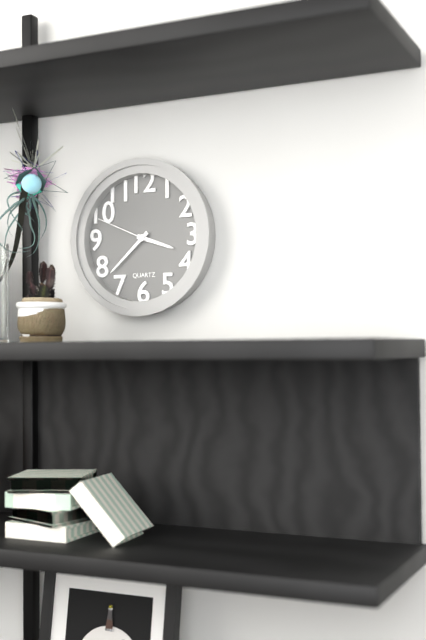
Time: **3:38:49**
